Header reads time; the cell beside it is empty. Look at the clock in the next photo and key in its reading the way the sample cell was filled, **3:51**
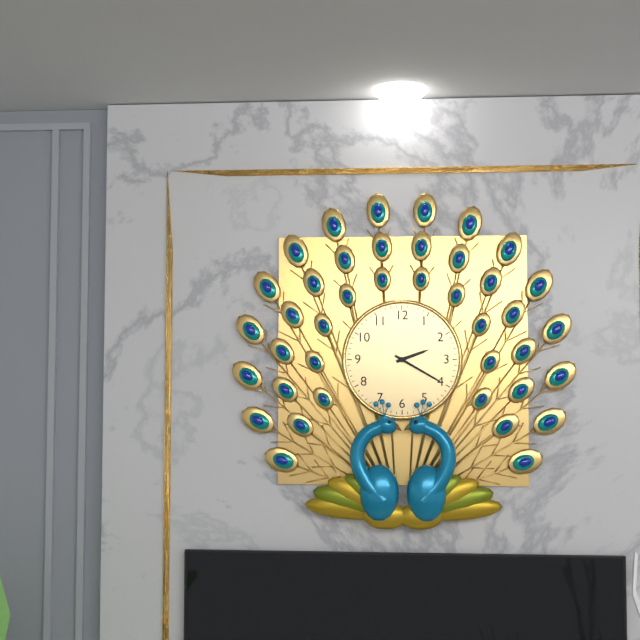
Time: **2:20**
